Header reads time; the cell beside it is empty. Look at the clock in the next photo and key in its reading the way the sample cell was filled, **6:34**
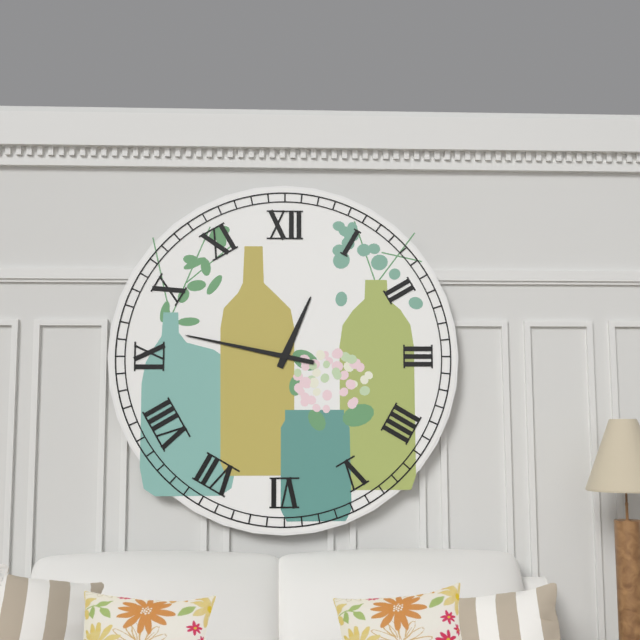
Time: **12:47**
